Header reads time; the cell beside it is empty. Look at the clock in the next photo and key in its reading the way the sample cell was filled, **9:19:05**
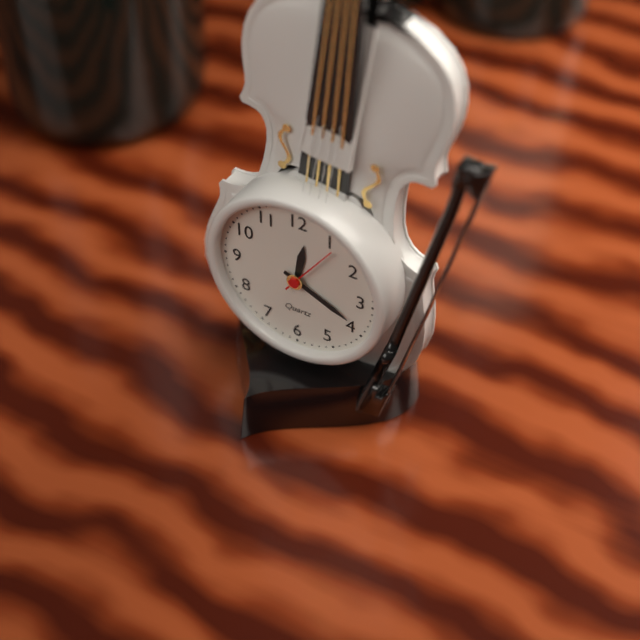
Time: **12:19:06**
